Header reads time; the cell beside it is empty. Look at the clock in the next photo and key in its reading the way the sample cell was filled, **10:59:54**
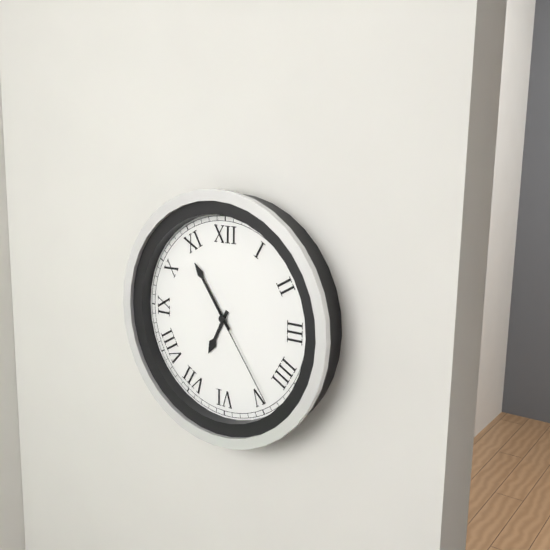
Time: **6:54:24**
